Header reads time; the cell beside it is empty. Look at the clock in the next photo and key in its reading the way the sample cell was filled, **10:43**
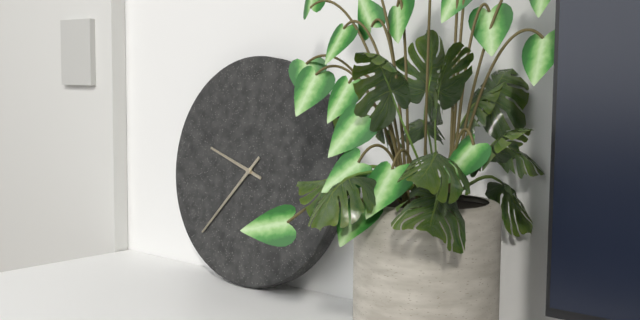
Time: **9:37**
